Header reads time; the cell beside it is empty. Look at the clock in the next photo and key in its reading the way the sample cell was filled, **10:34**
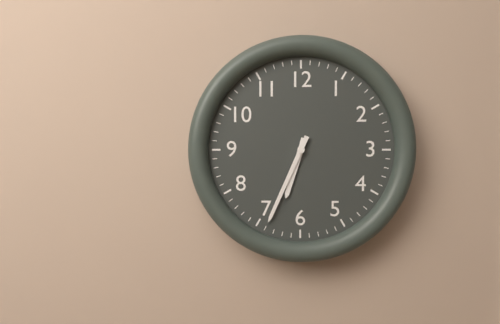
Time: **6:34**
